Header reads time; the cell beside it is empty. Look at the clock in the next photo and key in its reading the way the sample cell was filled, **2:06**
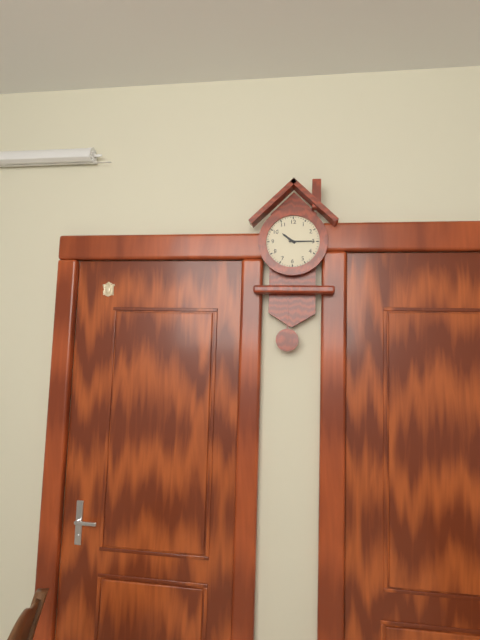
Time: **10:15**
